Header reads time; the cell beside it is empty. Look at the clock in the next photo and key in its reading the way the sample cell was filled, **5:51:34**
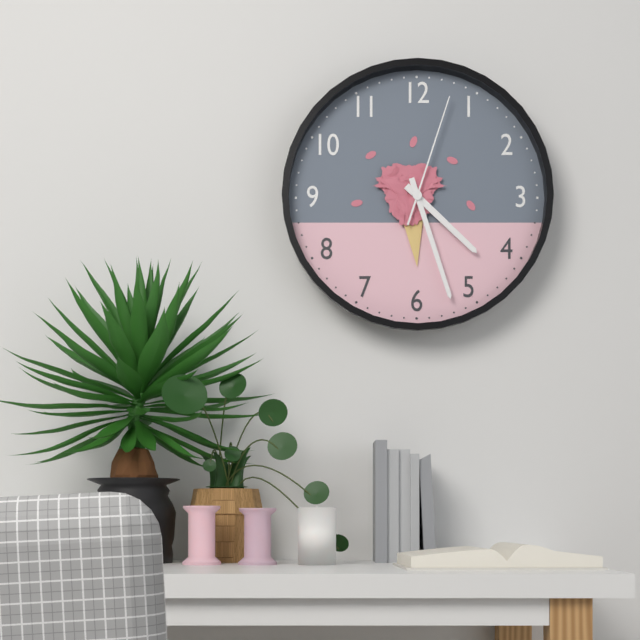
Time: **4:27:03**
